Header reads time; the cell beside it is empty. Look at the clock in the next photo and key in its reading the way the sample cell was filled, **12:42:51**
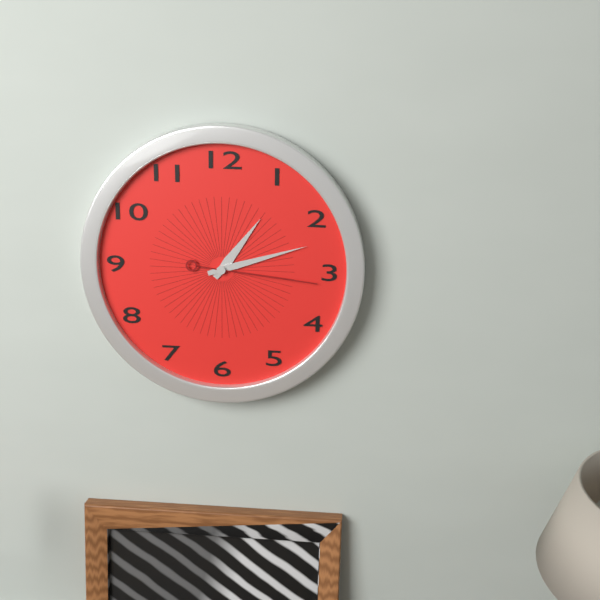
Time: **1:12:16**
